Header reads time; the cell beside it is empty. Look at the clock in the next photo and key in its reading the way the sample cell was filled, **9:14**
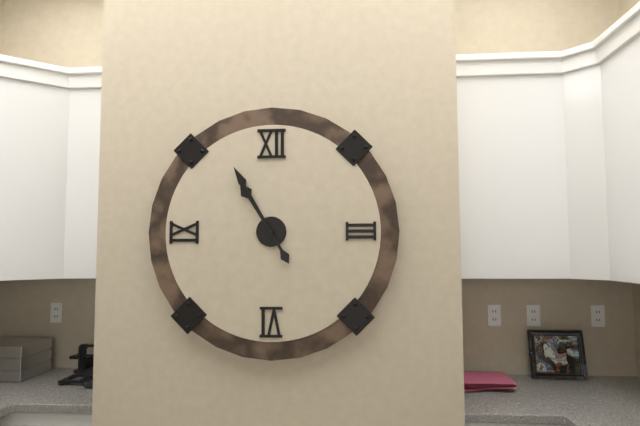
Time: **10:55**
